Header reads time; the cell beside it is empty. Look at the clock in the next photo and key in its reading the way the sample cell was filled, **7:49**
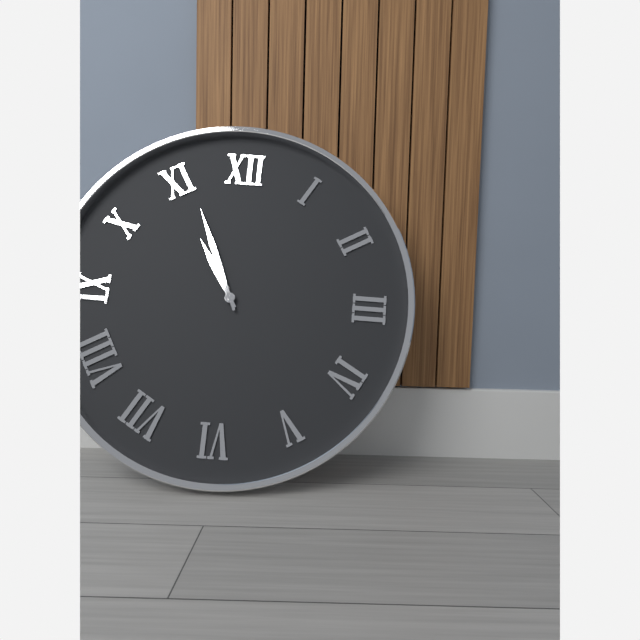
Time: **10:56**
